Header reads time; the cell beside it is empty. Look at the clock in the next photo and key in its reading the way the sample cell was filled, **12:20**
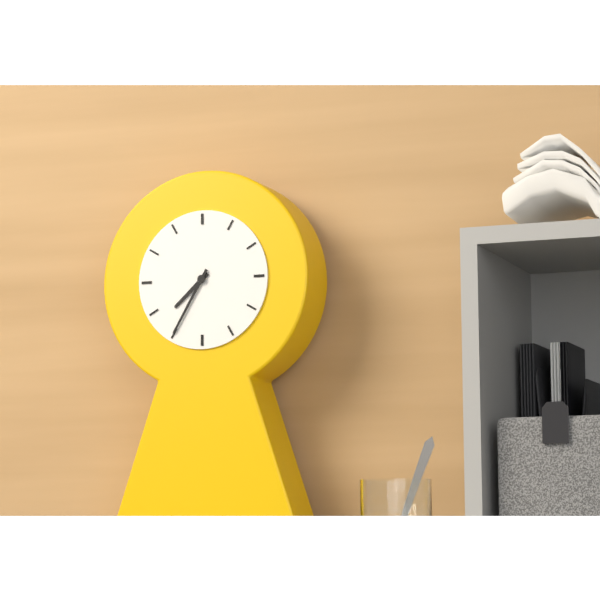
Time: **7:35**
